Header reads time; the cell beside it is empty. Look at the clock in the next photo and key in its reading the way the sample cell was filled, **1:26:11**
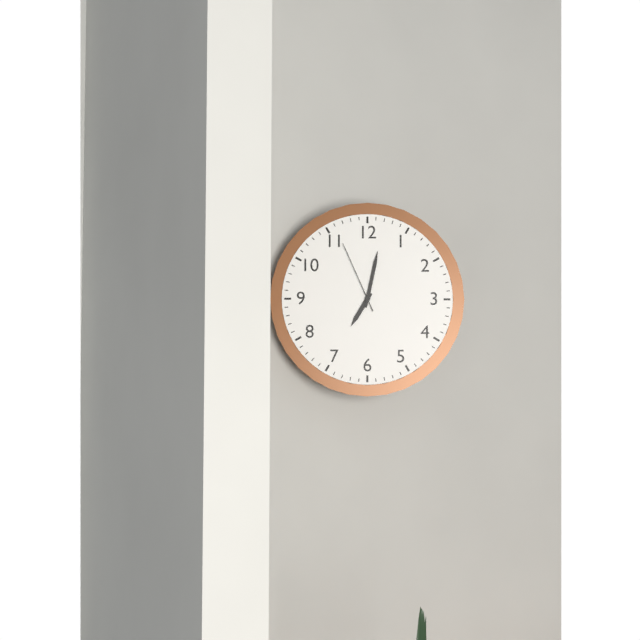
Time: **7:02:56**
